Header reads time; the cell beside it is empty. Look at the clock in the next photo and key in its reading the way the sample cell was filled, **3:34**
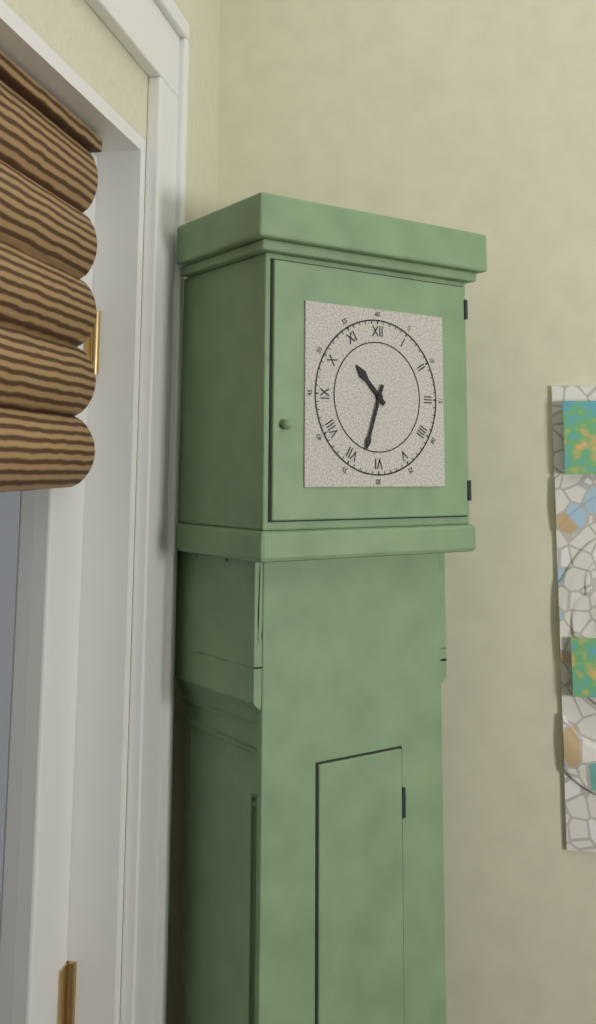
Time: **10:33**
